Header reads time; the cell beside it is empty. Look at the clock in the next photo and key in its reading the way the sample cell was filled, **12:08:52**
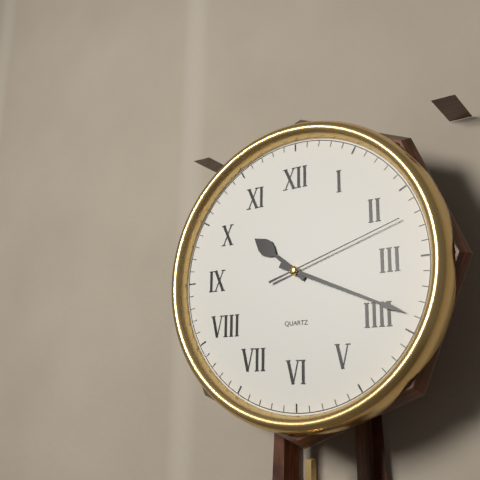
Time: **10:19:12**
